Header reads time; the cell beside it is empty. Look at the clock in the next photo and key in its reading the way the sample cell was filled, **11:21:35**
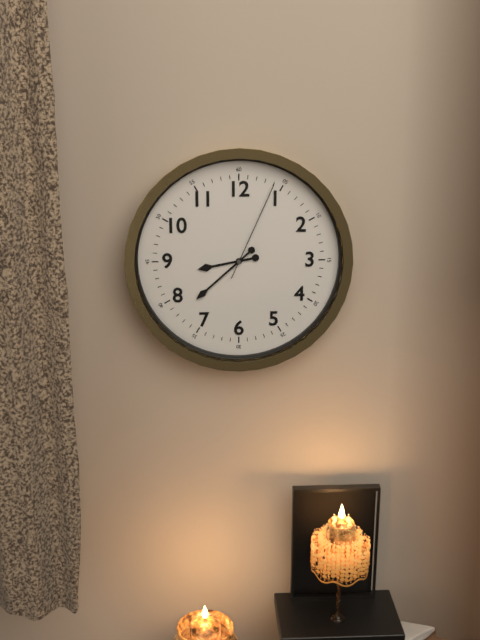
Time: **8:38:04**
